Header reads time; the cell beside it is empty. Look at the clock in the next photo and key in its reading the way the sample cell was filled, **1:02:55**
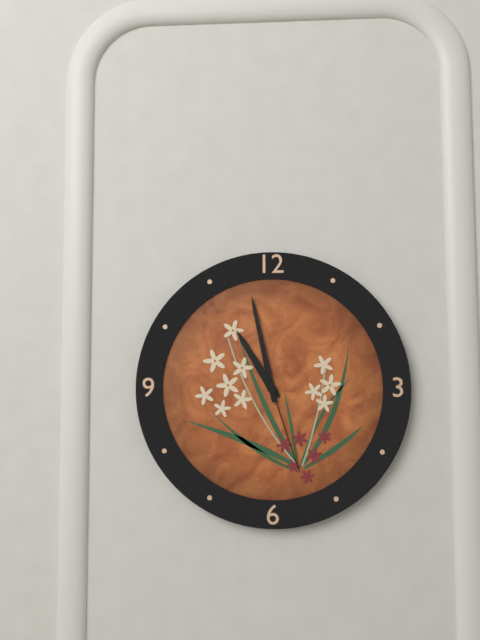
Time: **10:58:27**
